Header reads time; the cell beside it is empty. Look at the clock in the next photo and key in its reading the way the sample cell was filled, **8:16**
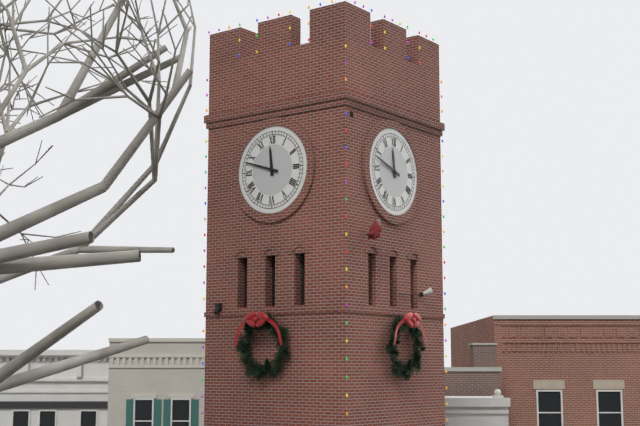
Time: **11:48**
